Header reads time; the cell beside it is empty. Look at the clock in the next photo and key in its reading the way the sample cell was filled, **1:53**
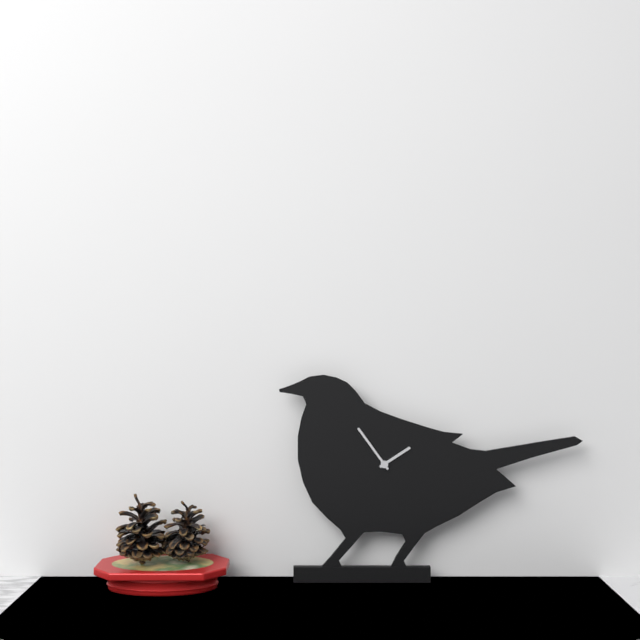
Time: **1:54**
